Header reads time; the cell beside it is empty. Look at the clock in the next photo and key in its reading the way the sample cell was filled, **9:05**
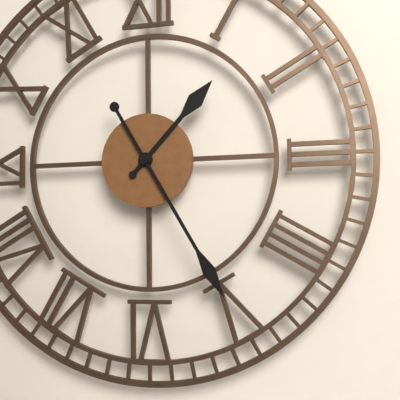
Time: **1:25**
